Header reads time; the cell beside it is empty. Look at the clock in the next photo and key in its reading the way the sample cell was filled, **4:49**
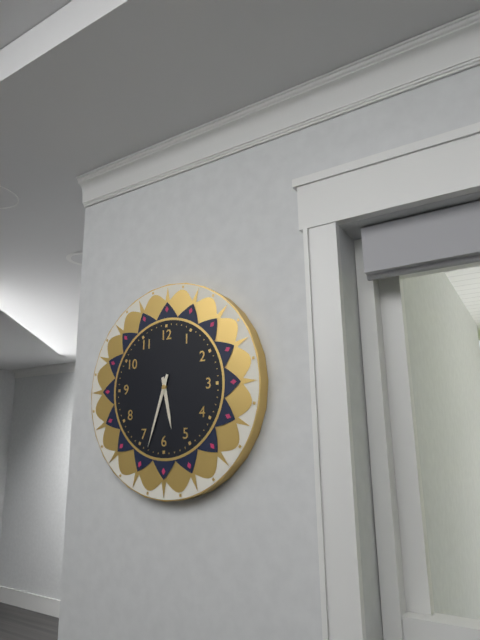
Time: **5:33**
